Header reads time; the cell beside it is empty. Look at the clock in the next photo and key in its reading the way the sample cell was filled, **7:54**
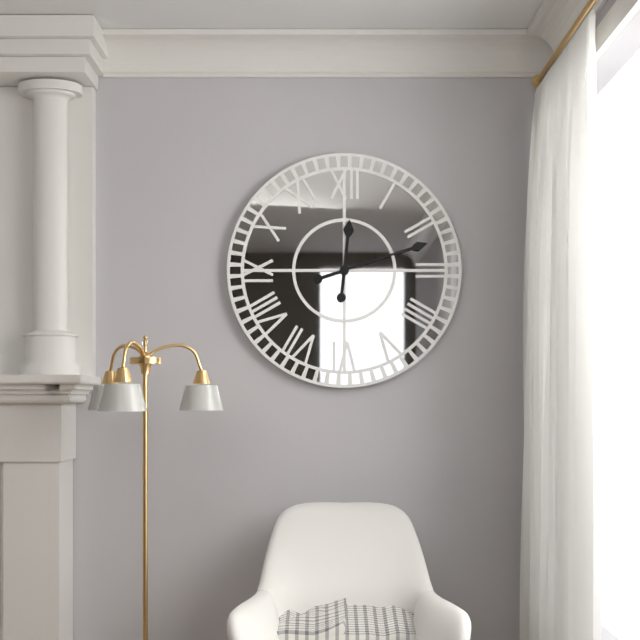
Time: **12:12**
